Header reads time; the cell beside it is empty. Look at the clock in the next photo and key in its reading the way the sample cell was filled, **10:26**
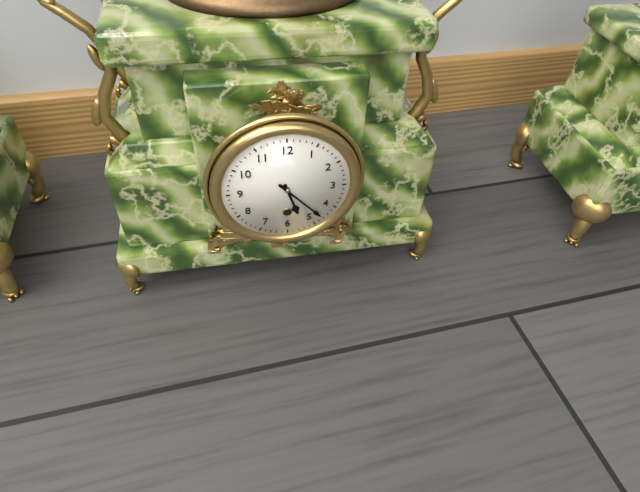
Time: **5:23**
